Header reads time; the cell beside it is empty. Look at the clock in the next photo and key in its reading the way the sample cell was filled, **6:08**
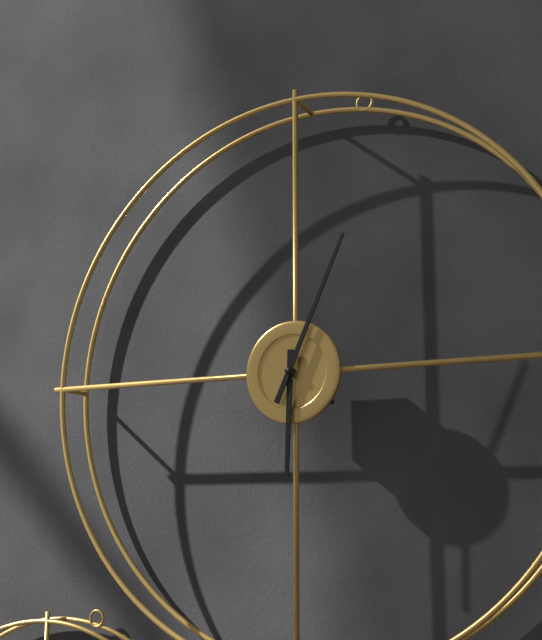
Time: **6:04**
